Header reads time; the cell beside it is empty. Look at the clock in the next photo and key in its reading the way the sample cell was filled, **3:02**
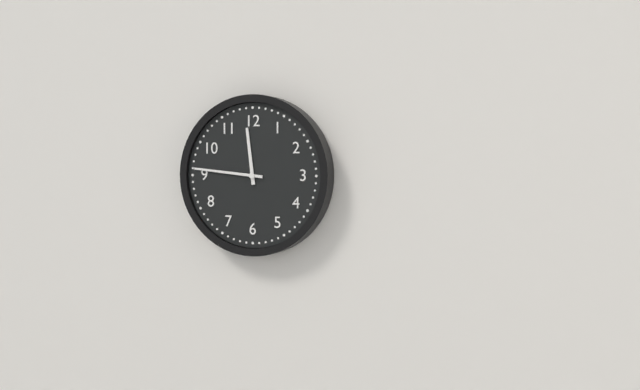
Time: **11:46**
